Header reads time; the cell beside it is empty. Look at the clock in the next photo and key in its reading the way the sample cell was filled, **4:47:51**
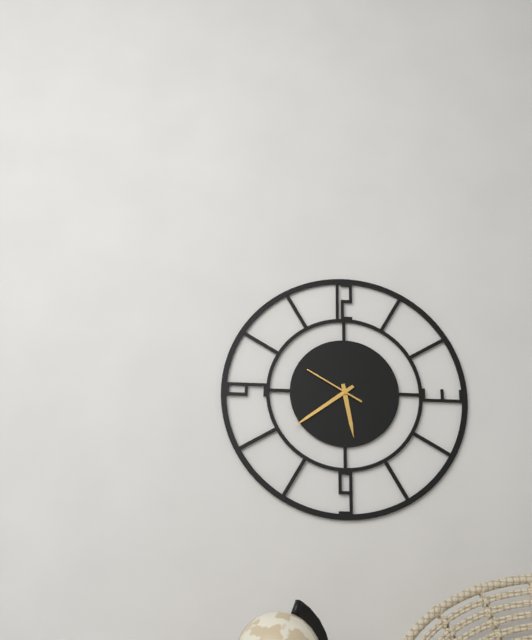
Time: **5:39:50**
